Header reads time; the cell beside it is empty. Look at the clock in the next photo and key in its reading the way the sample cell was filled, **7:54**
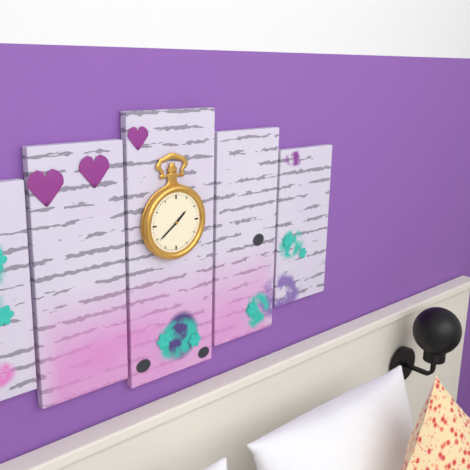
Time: **1:39**
